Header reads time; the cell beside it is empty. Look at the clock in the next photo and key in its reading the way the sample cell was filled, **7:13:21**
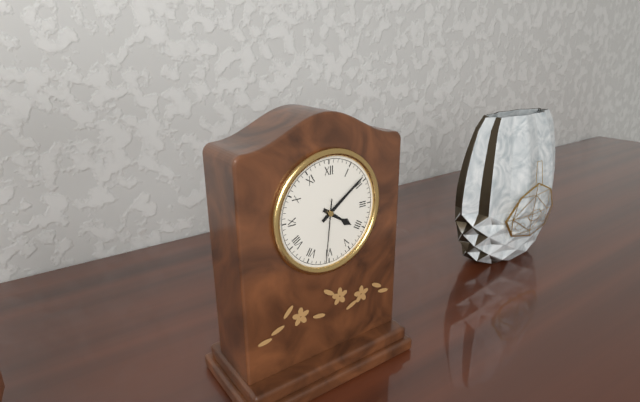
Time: **4:09:31**
